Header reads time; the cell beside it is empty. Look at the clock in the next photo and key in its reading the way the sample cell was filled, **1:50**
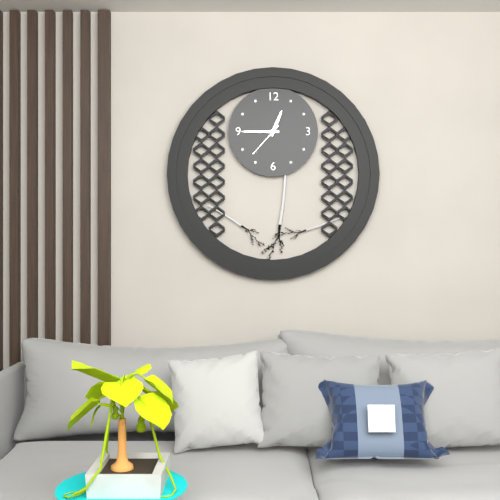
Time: **12:45**
